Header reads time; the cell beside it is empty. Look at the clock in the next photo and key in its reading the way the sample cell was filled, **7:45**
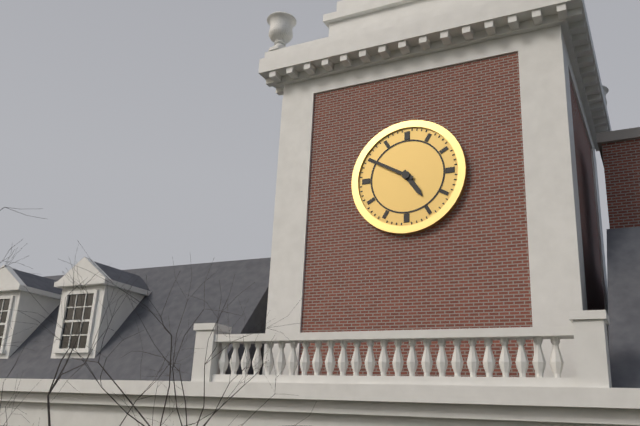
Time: **4:50**
